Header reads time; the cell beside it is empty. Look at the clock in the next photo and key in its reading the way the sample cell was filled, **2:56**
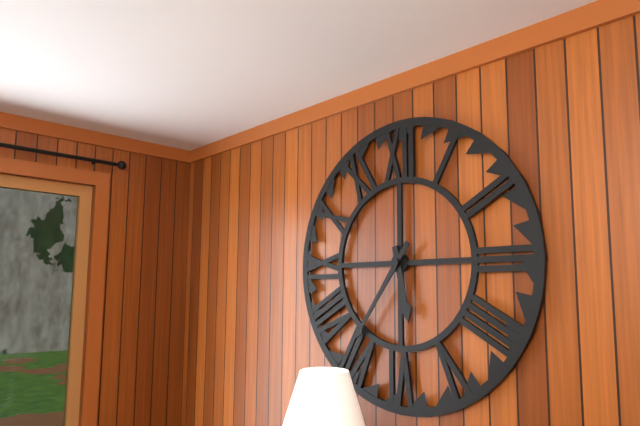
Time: **5:36**
